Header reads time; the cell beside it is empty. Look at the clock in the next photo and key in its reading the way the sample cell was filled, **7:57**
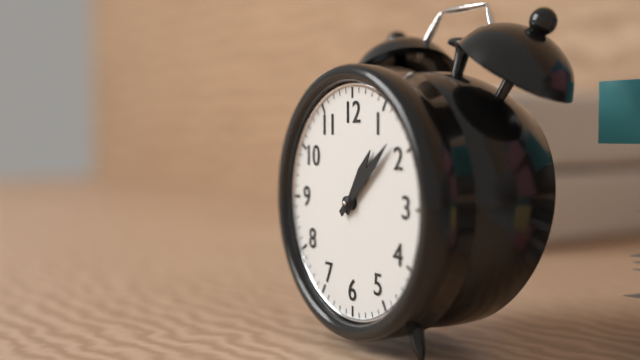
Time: **1:08**
